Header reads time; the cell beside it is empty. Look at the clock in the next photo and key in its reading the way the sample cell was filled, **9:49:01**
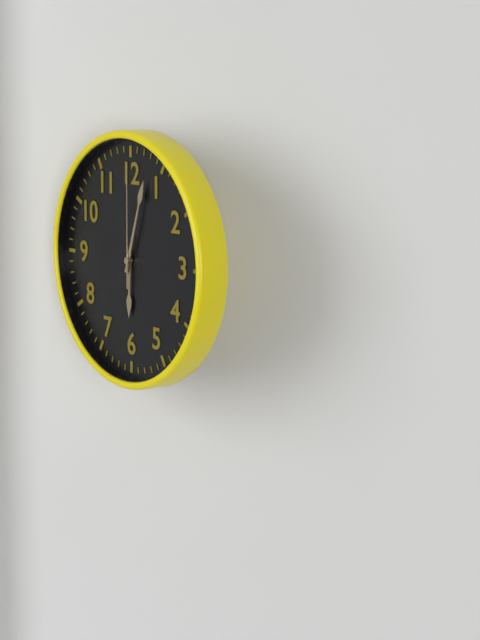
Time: **6:03:00**
